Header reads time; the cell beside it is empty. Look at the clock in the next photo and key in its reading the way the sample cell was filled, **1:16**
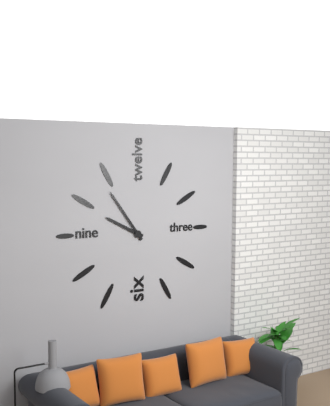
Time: **9:54**
